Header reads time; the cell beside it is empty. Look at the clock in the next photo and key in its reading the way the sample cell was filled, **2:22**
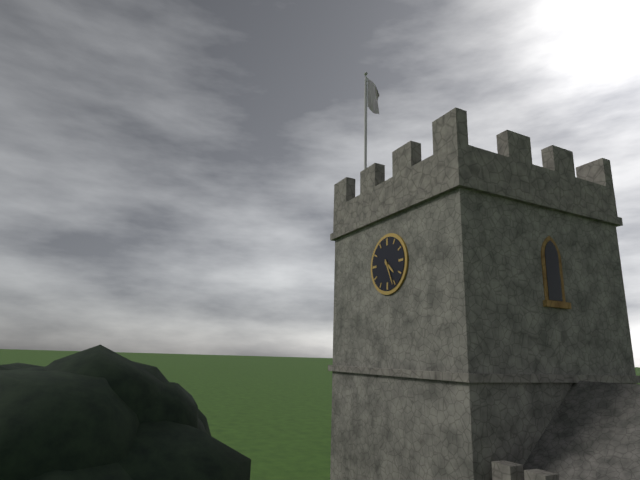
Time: **4:26**
